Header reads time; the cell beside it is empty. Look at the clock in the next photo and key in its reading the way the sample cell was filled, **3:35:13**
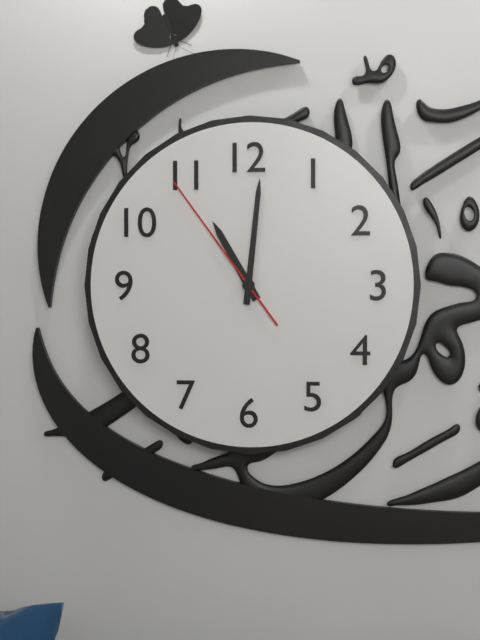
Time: **11:01:54**
